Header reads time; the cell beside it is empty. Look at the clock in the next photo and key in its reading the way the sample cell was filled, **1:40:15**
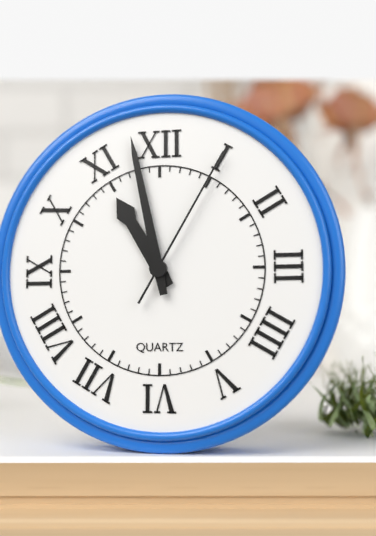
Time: **10:58:05**
